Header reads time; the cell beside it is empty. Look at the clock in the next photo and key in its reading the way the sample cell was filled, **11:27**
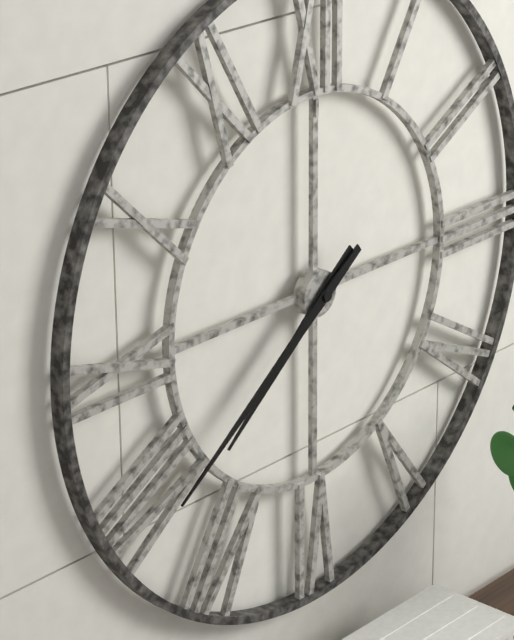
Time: **7:39**
